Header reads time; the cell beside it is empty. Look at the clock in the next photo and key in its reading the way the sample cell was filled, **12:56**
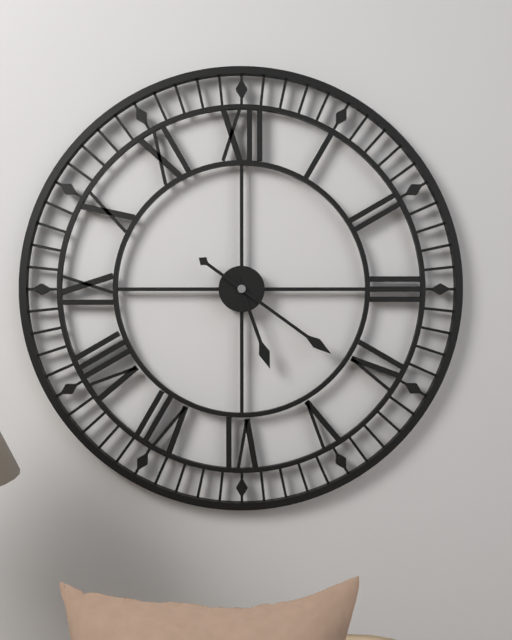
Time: **5:21**
